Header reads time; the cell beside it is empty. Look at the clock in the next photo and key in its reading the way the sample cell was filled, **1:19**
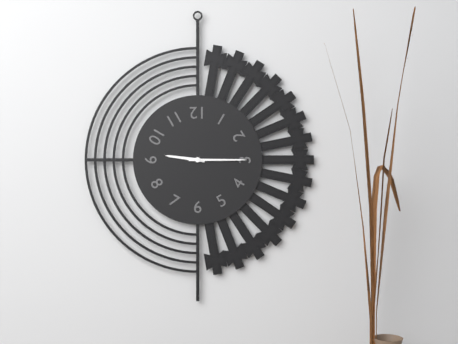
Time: **9:15**
